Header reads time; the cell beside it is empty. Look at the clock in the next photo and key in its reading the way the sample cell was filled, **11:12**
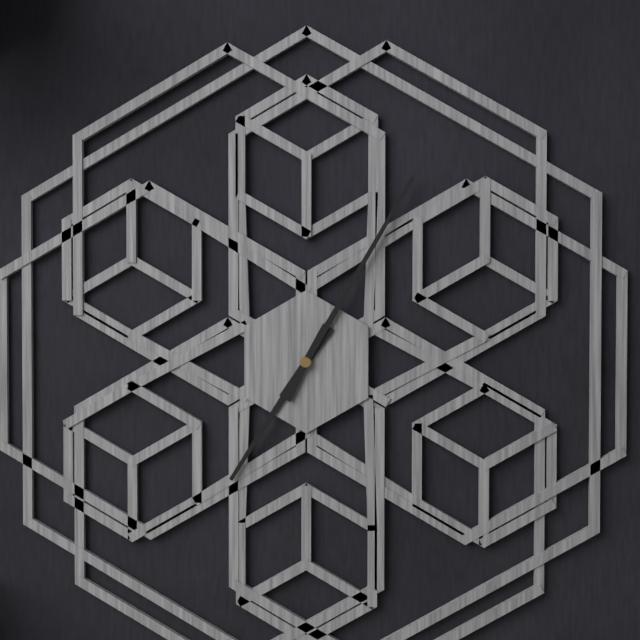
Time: **7:05**
